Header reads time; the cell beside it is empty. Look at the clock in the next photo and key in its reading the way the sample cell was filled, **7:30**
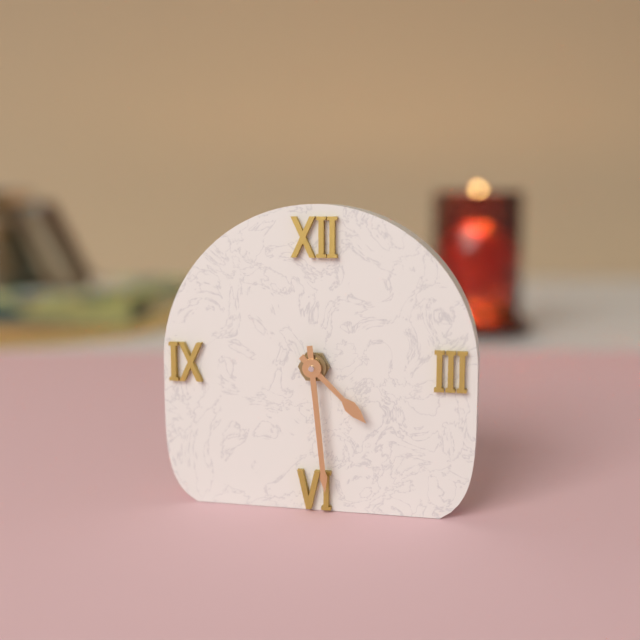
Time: **4:29**
